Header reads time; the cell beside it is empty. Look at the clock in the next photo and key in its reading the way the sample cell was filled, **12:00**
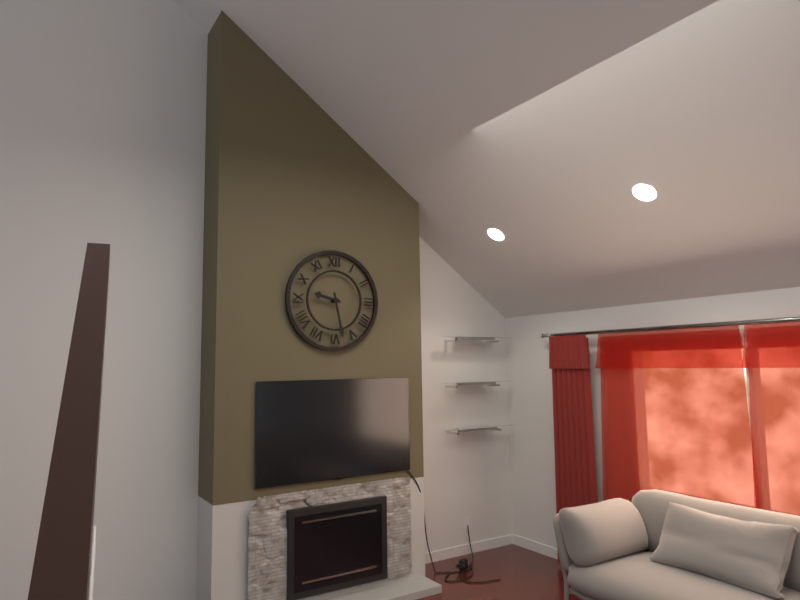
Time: **9:28**
